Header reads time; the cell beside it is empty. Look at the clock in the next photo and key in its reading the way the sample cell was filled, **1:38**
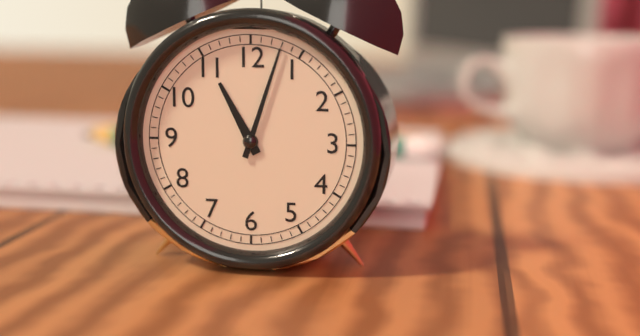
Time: **11:03**
